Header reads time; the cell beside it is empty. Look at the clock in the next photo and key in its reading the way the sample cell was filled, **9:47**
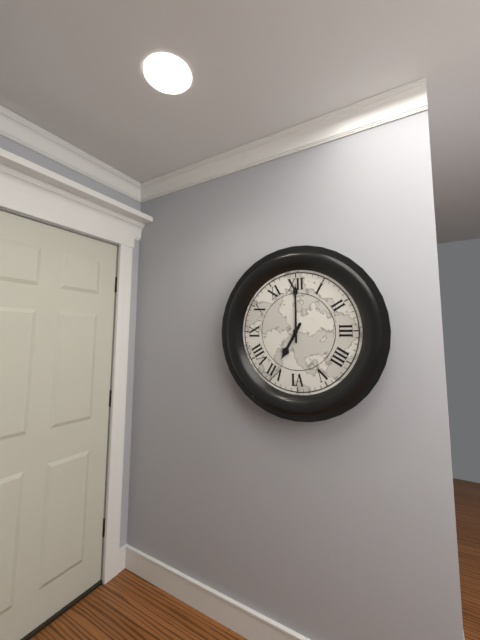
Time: **7:00**
